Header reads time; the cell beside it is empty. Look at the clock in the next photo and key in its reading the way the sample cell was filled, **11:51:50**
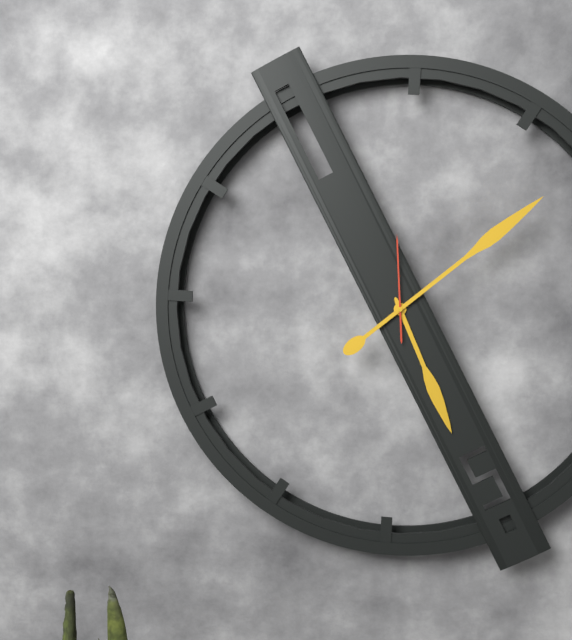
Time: **5:08:59**
